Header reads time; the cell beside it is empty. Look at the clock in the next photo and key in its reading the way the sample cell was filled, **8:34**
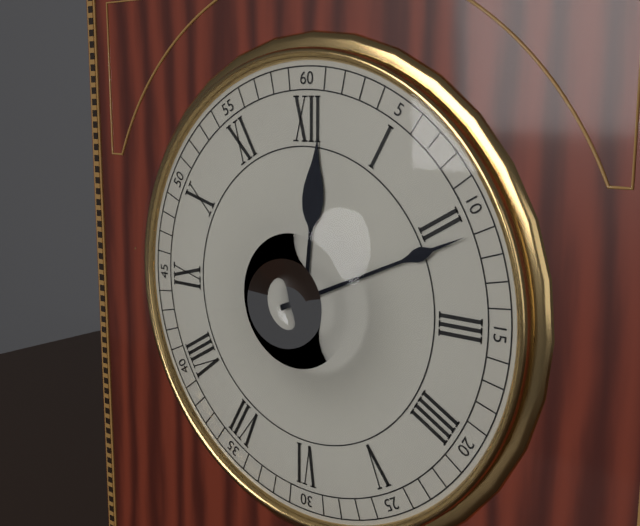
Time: **12:11**
